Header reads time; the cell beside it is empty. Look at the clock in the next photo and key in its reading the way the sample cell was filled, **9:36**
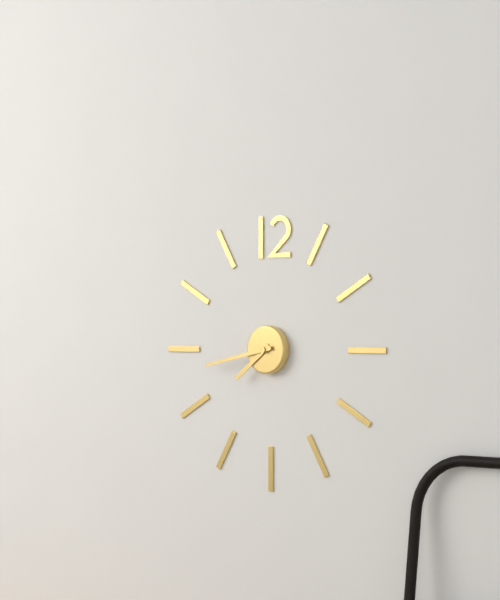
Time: **7:43**
